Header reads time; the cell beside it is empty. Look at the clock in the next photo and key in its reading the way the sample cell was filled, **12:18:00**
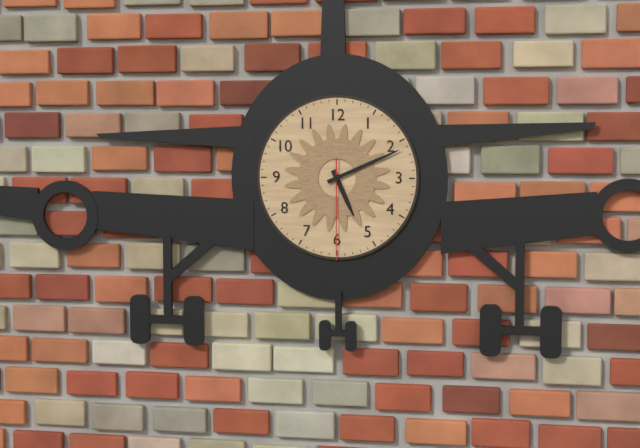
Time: **5:11:30**
